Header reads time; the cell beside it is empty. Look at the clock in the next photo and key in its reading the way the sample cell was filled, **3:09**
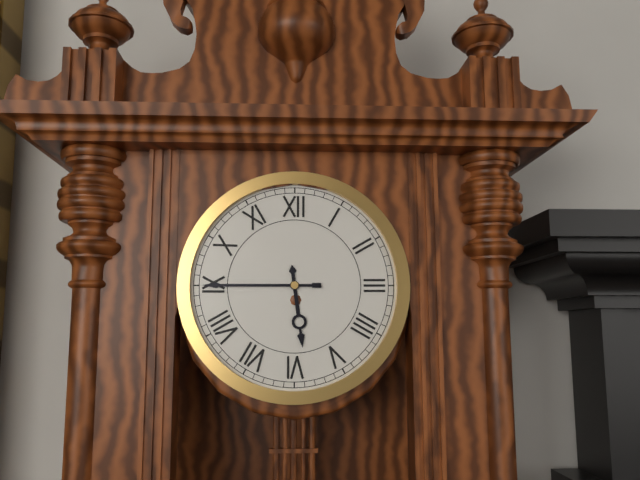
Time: **5:45**
